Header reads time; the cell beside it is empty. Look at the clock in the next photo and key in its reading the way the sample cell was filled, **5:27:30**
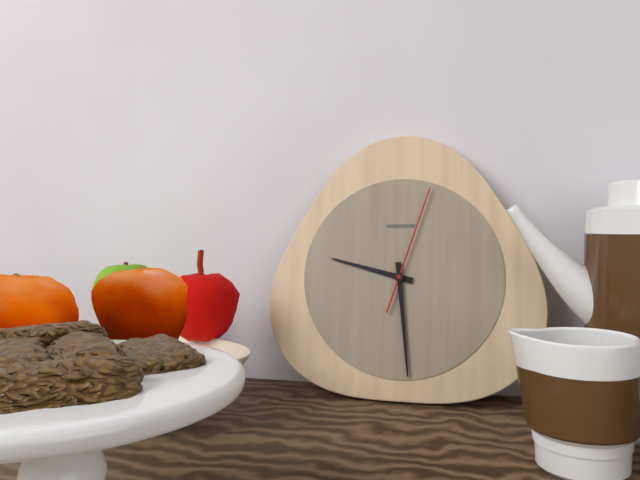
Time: **9:29:03**
